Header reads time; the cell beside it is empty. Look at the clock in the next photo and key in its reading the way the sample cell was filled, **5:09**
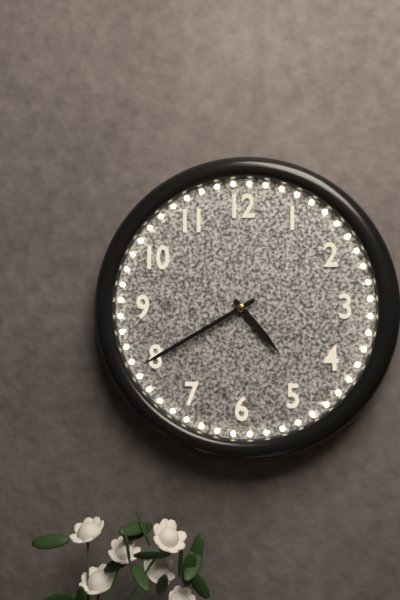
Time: **4:40**
